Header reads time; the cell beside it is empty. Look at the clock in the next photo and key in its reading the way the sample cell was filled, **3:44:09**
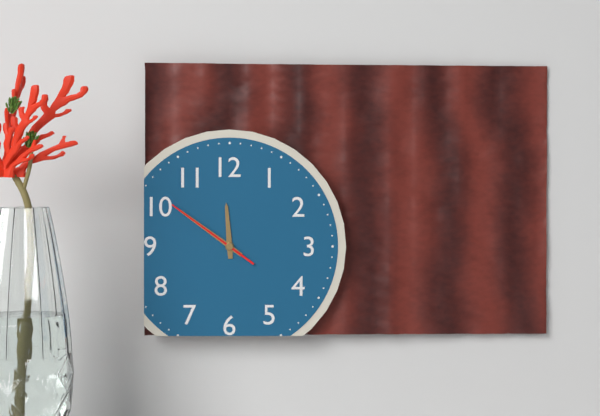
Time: **11:51:51**
